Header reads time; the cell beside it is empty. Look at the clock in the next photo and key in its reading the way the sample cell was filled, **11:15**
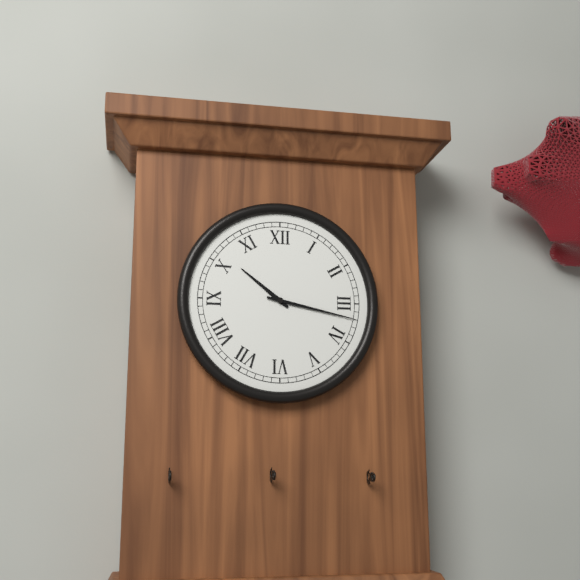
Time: **10:17**
